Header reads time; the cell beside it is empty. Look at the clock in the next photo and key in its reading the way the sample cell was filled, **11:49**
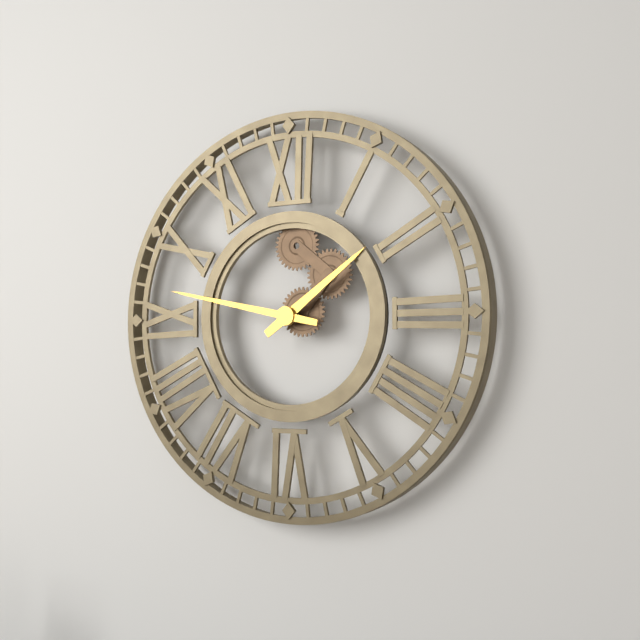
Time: **1:47**
